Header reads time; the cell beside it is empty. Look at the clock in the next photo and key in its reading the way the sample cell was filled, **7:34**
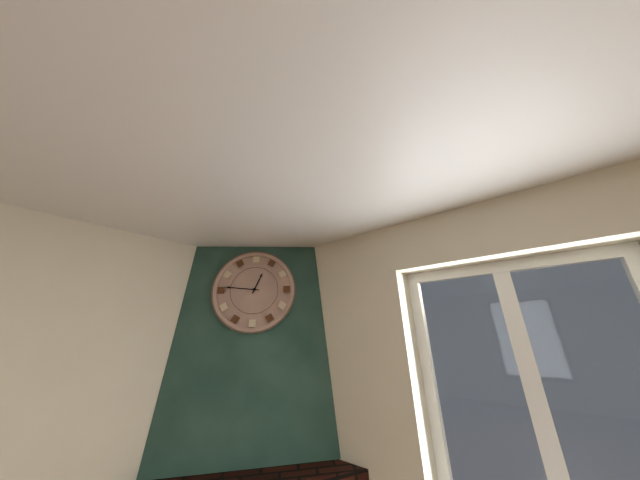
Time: **12:46**
